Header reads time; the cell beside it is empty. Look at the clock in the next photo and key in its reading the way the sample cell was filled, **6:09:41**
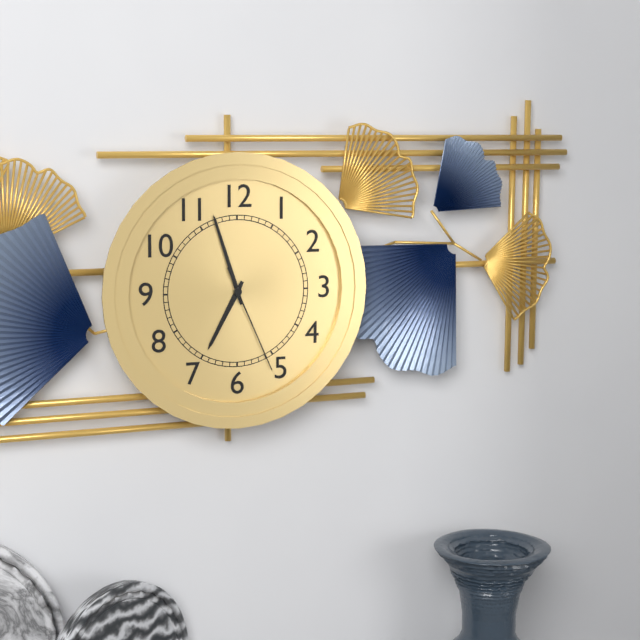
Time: **6:57:26**
